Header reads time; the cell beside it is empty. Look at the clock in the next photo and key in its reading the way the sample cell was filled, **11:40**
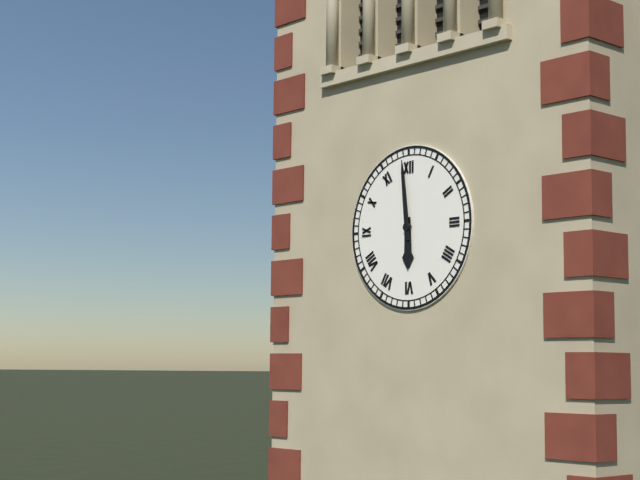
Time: **5:59**
